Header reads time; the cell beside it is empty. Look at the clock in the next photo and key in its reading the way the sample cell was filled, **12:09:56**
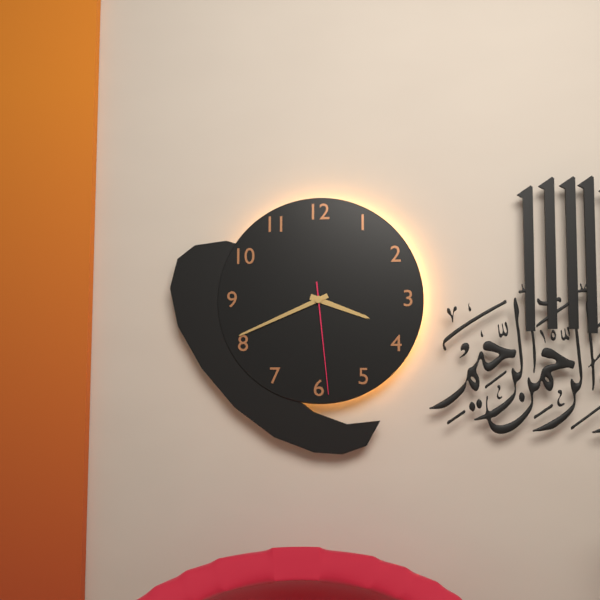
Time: **3:41:29**
